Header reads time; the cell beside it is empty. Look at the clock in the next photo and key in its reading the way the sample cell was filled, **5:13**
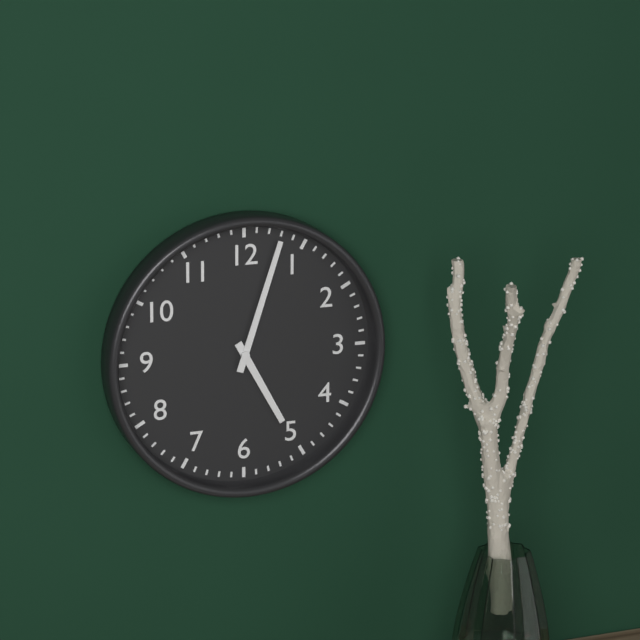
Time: **5:03**
